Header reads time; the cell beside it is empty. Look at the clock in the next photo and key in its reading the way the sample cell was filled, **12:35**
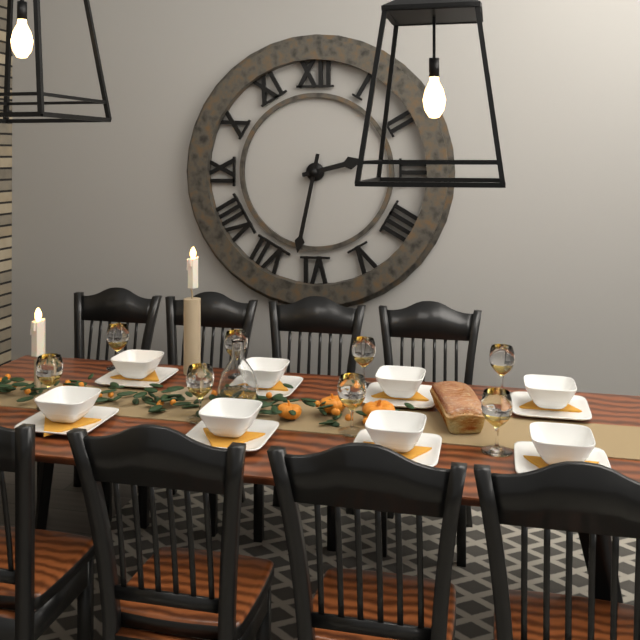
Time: **2:32**
